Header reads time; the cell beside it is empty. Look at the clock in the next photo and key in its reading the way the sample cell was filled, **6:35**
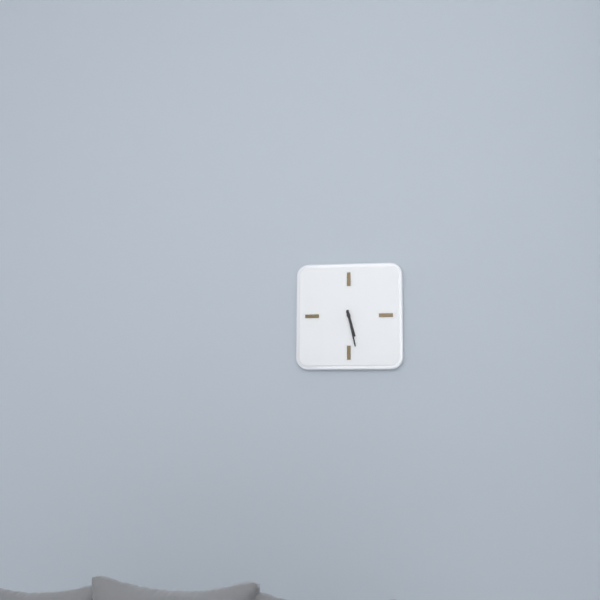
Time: **5:28**
